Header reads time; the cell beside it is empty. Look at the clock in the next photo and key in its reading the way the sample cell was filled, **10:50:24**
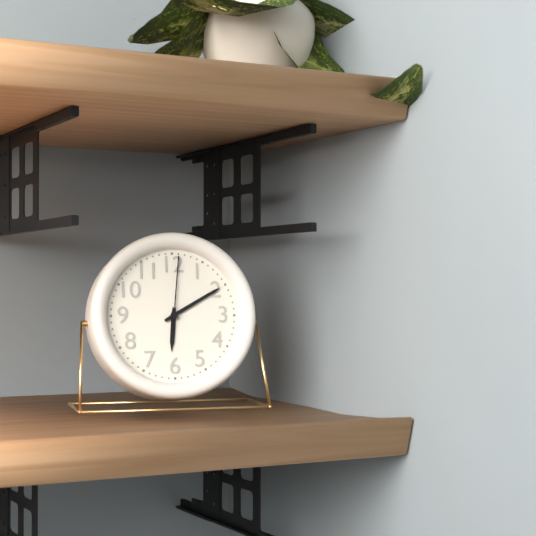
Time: **6:10:01**
